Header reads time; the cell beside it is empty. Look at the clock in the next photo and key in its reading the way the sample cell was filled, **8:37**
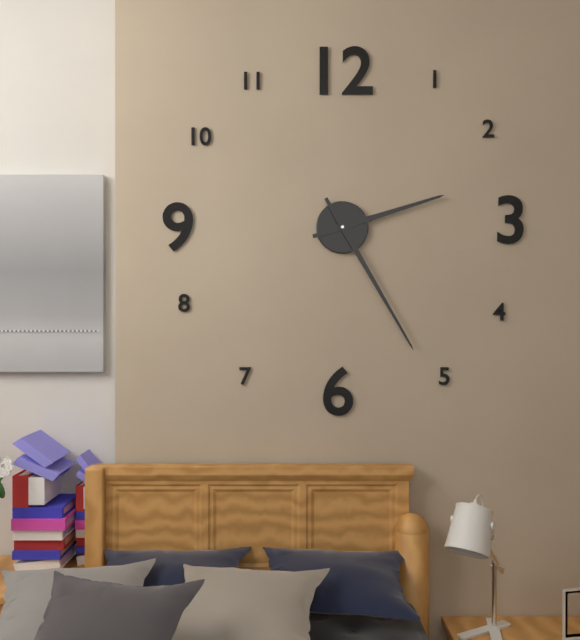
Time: **2:25**
